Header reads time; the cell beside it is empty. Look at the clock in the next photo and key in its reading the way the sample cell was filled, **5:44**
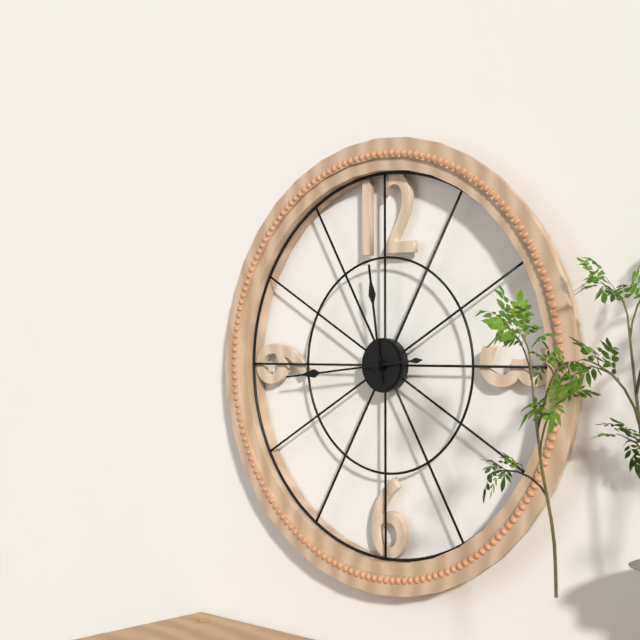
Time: **11:44**
